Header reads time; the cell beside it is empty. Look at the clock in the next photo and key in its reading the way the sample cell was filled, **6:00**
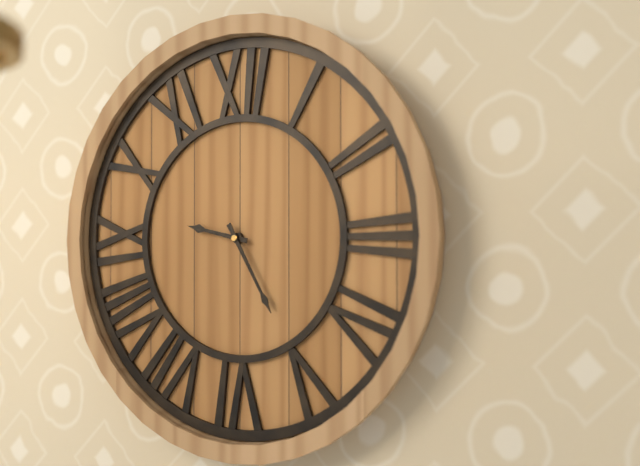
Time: **9:25**
